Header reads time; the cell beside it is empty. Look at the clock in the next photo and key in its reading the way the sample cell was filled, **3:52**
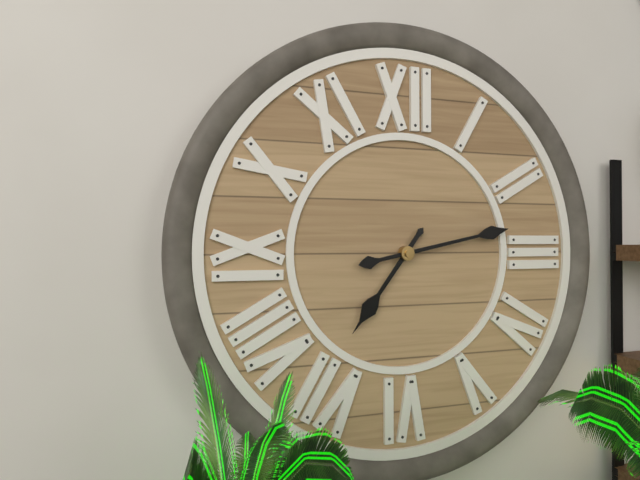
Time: **7:13**
